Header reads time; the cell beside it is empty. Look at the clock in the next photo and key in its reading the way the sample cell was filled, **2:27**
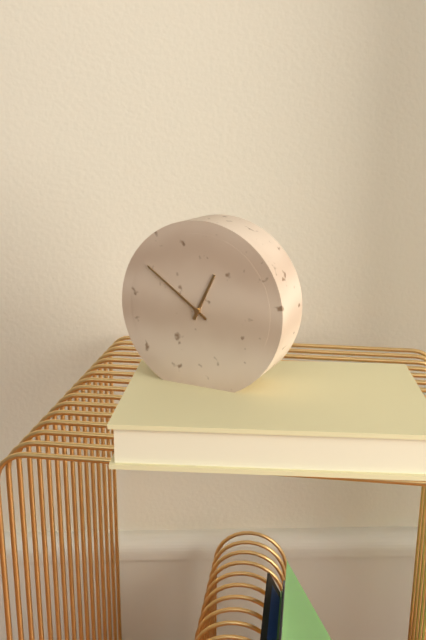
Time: **12:51**
